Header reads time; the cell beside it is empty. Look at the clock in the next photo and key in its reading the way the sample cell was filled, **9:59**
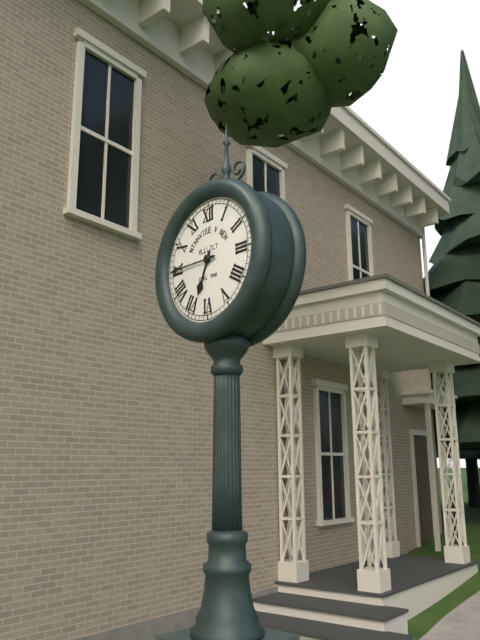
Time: **6:45**
